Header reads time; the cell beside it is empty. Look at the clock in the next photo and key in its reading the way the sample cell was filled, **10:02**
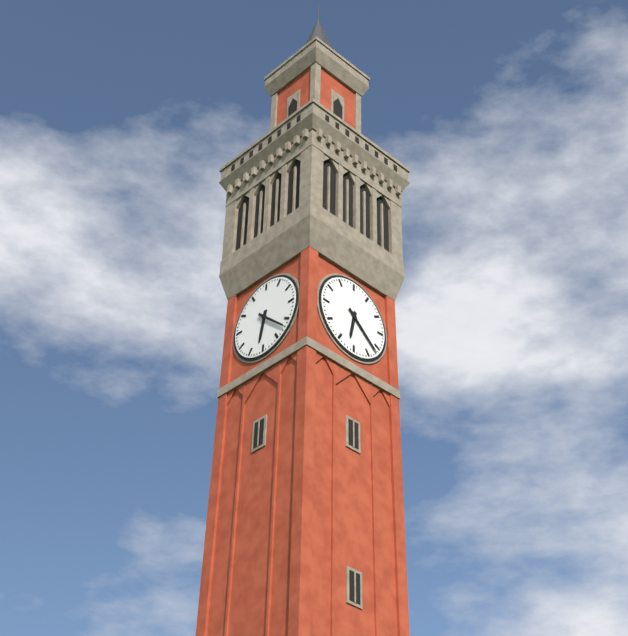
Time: **6:22**
